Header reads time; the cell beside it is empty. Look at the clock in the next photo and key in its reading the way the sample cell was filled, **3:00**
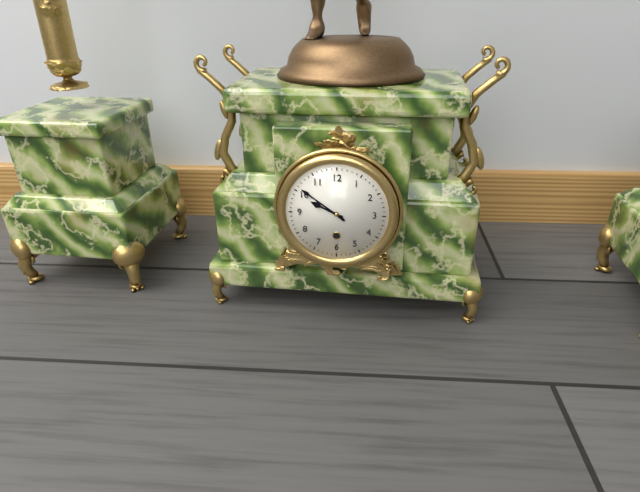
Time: **9:51**
